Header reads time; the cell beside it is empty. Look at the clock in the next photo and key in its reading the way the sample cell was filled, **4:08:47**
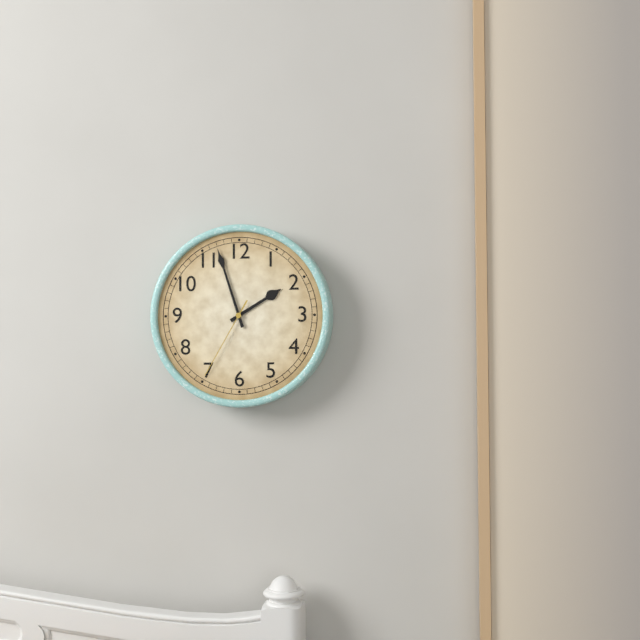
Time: **1:57:35**
